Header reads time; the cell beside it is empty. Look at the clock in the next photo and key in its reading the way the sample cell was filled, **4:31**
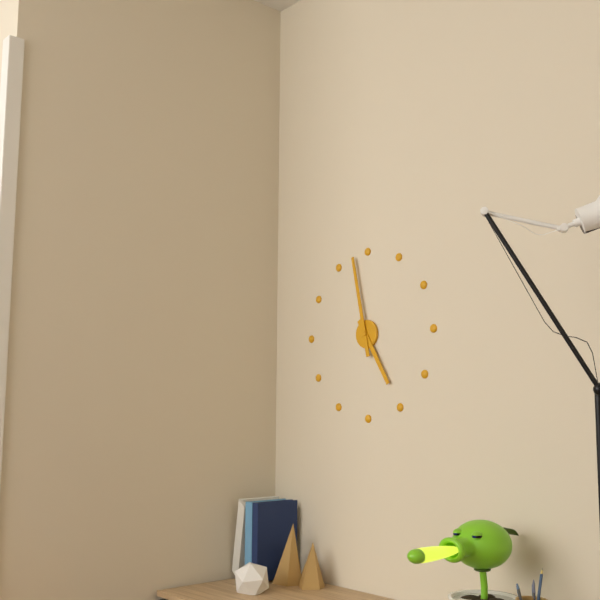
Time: **4:58**
